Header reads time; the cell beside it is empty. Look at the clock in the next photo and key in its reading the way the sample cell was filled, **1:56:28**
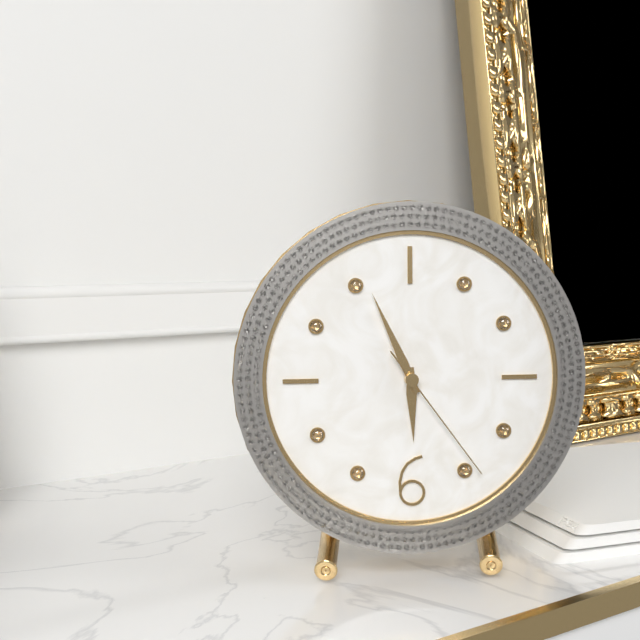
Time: **5:56:24**
